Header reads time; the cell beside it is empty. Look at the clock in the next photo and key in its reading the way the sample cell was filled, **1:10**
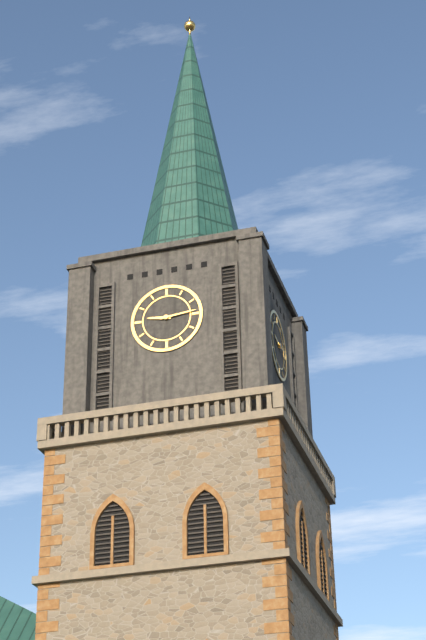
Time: **9:14**
